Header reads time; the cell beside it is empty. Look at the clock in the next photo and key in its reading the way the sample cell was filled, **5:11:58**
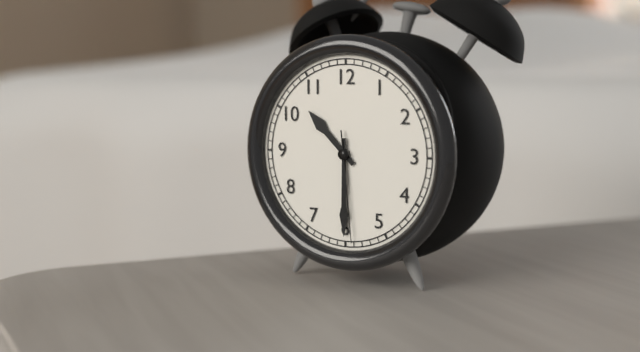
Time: **10:30:29**
